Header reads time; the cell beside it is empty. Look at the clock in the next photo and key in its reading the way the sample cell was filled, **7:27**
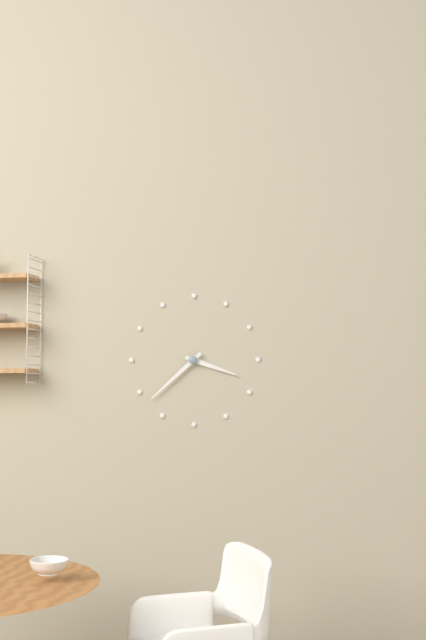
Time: **3:38**
